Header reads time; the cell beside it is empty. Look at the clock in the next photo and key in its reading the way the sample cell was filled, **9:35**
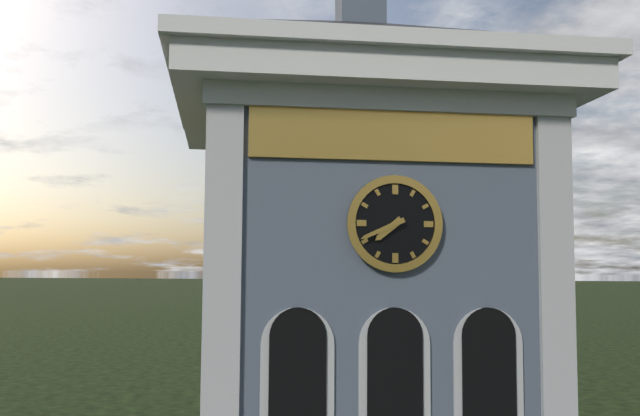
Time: **7:41**
